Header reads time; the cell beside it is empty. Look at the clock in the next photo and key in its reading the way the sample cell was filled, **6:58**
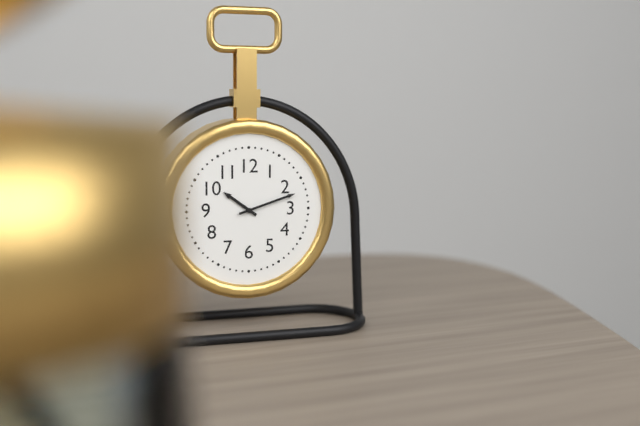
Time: **10:12**
